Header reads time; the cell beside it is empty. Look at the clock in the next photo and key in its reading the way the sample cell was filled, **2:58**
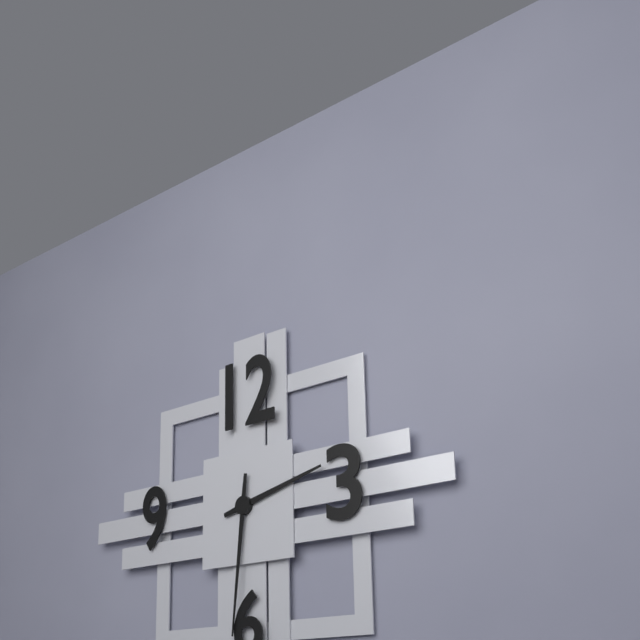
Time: **2:31**
